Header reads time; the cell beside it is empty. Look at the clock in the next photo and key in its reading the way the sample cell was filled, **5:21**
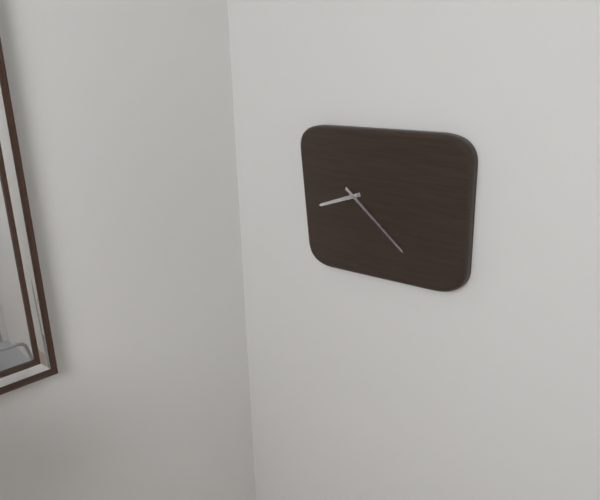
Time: **8:21**
